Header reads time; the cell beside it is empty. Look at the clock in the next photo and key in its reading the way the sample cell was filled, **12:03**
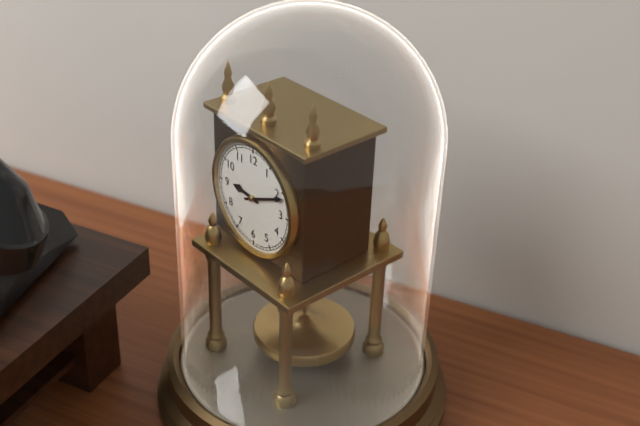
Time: **9:11**
